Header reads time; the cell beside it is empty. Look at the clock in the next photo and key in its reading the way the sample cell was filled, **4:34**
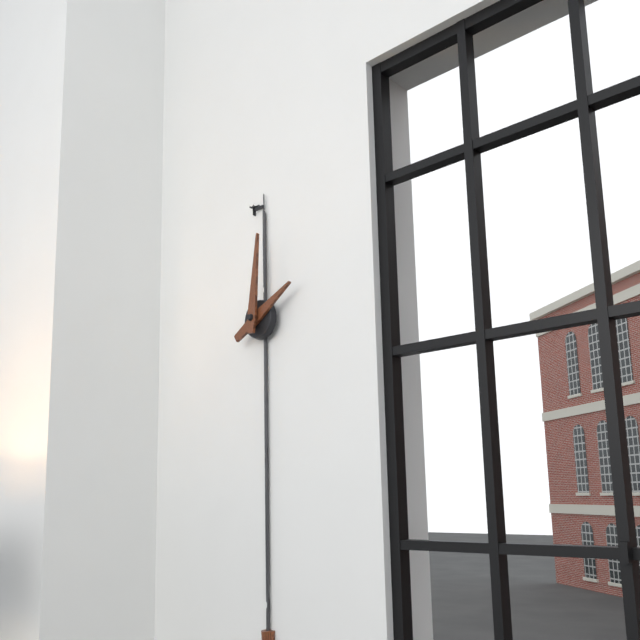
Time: **2:01**
